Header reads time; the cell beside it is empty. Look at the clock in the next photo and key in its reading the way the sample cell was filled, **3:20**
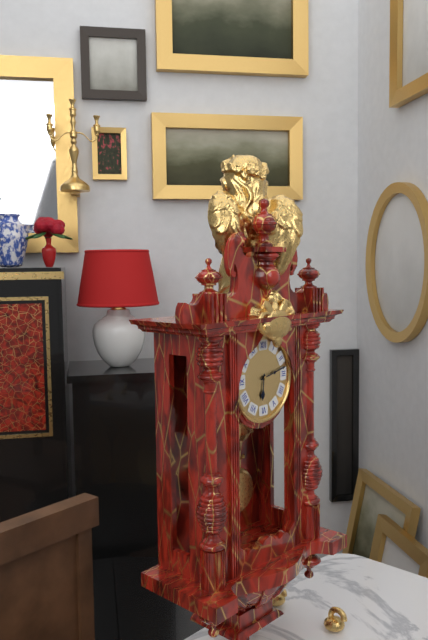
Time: **6:13**
